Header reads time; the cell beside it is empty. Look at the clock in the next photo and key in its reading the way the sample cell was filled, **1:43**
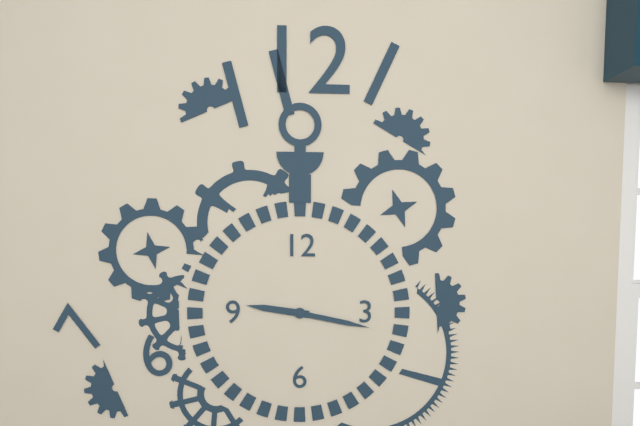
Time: **9:17**
